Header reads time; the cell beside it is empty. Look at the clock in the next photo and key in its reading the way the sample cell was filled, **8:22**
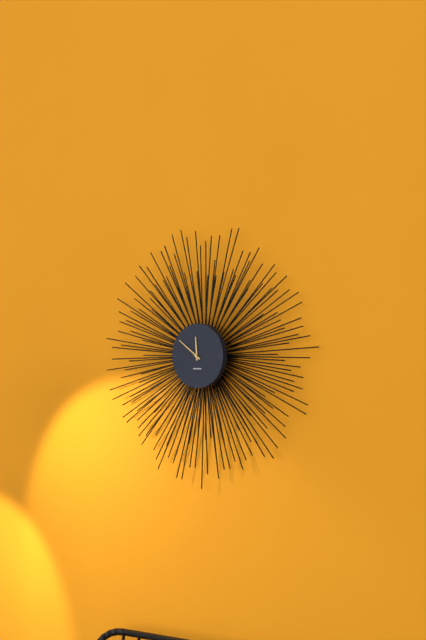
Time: **11:51**
